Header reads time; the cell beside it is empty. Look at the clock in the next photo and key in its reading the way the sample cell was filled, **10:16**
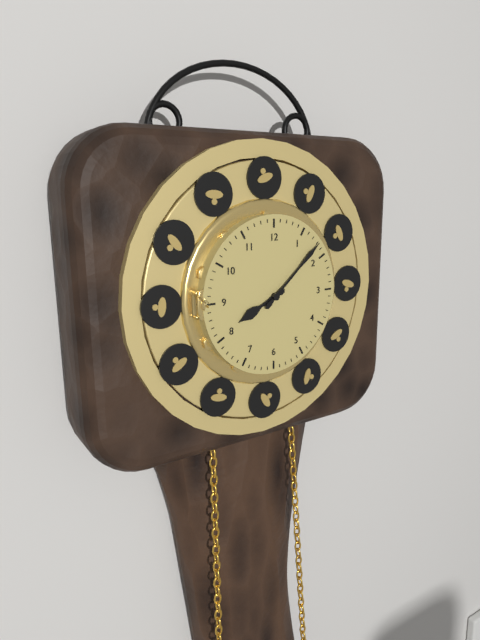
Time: **8:08**
